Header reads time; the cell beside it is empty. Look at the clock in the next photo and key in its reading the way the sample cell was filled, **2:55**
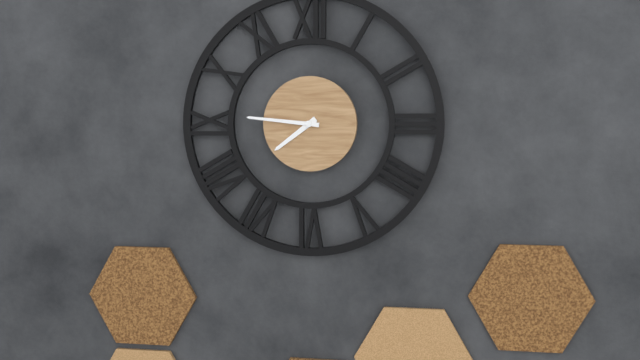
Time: **7:46**
